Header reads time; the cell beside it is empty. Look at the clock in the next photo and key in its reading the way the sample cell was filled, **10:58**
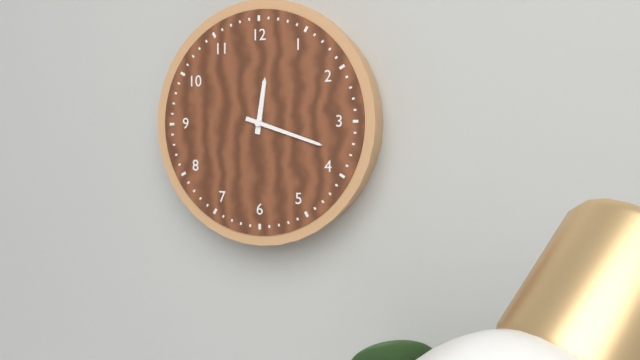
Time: **12:18**
